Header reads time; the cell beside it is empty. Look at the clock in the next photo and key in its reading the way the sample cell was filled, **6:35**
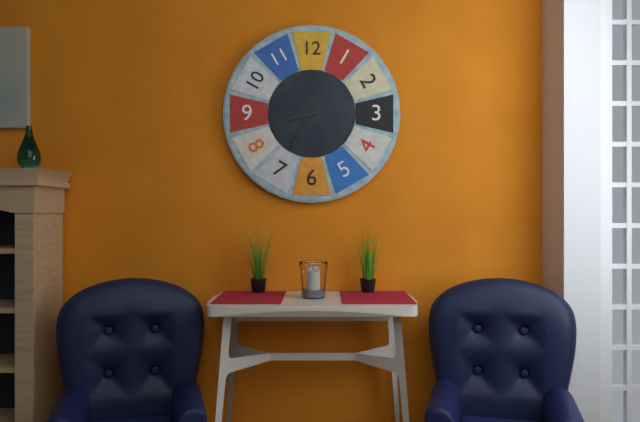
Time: **8:35**
